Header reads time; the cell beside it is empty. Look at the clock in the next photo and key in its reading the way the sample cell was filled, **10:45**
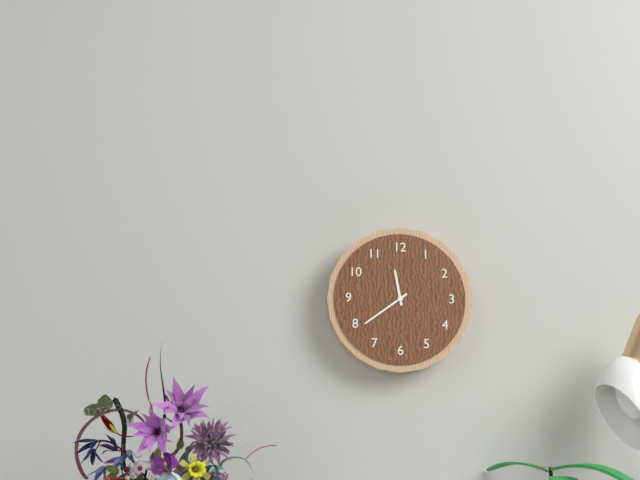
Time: **11:39**
